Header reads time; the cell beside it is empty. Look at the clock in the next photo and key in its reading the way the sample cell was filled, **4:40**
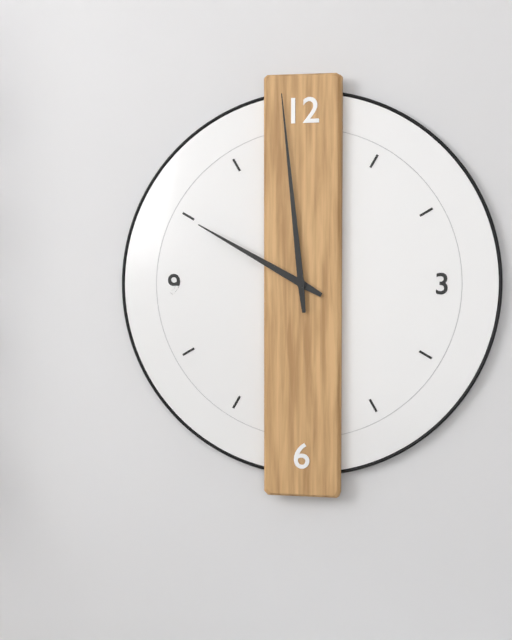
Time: **9:59**
